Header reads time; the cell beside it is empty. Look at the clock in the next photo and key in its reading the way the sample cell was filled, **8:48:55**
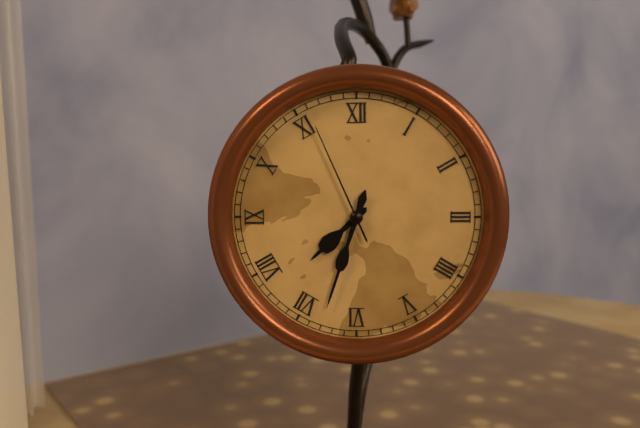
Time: **7:33:56**
